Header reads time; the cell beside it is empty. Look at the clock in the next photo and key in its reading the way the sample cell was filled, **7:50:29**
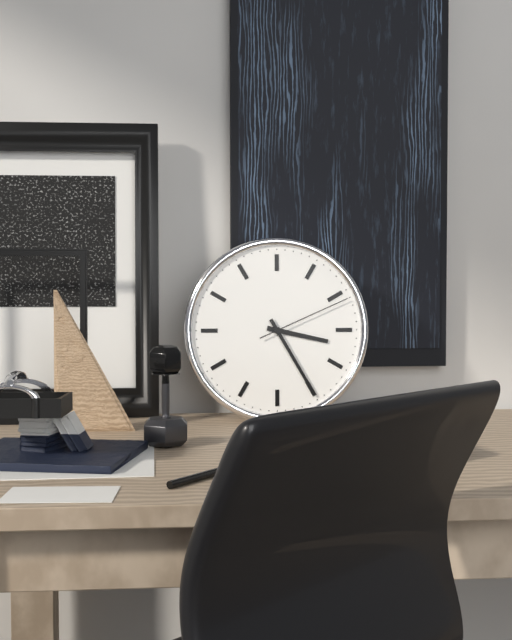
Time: **3:25:11**
